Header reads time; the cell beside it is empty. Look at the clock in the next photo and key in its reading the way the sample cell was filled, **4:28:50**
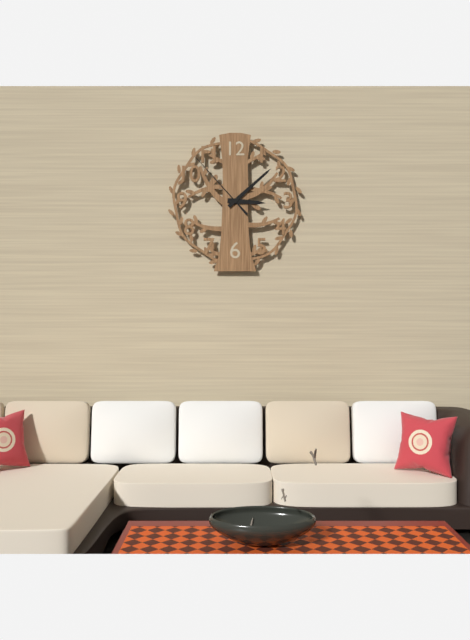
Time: **3:08:53**
